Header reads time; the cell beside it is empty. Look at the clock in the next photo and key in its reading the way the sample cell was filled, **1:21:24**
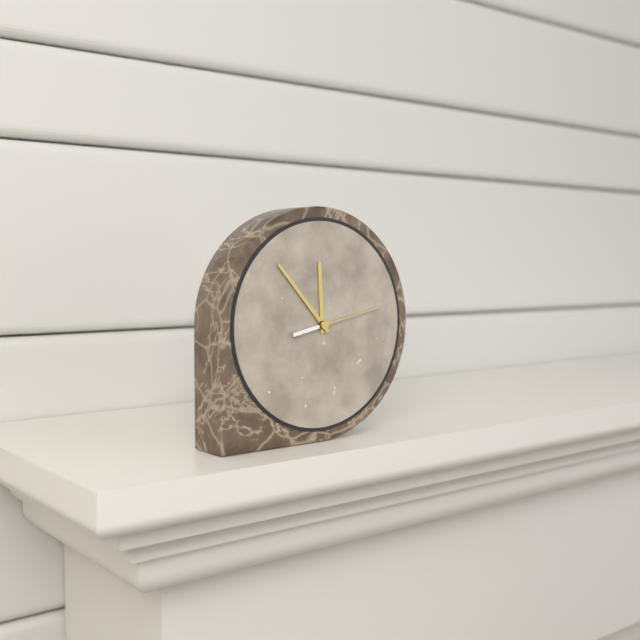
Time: **11:53:13**
